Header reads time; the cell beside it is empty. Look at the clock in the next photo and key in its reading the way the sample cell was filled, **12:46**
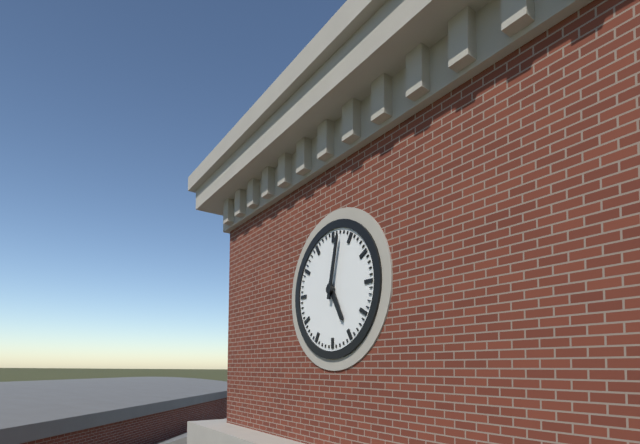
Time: **5:02**
